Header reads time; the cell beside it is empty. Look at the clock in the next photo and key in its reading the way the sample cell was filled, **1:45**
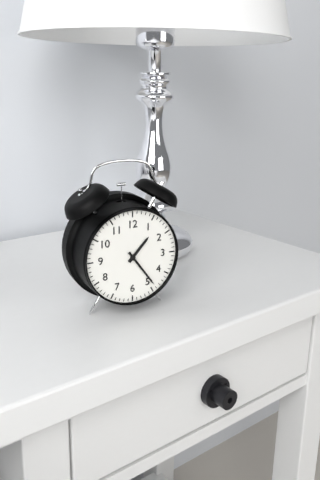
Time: **1:24**
